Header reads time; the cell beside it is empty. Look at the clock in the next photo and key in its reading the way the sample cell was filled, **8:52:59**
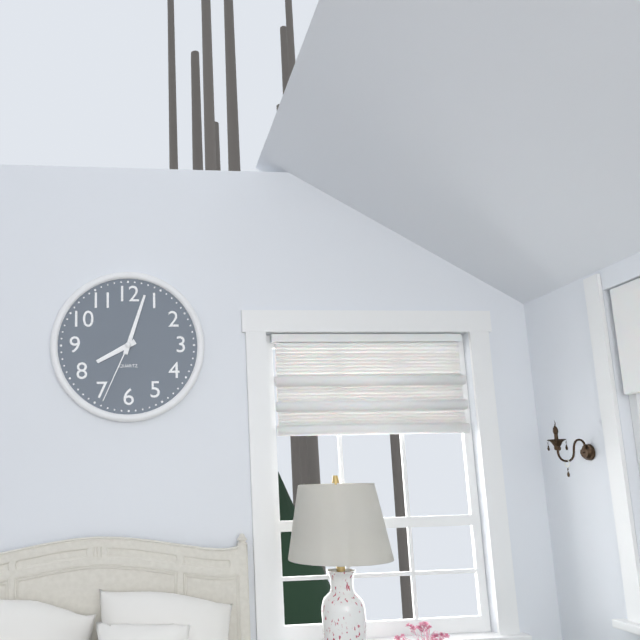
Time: **8:03:34**
